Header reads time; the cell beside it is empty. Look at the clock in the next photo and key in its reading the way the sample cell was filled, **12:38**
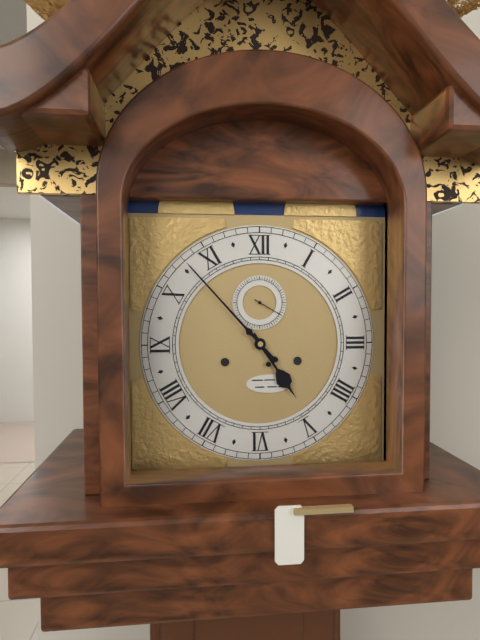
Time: **4:53**
